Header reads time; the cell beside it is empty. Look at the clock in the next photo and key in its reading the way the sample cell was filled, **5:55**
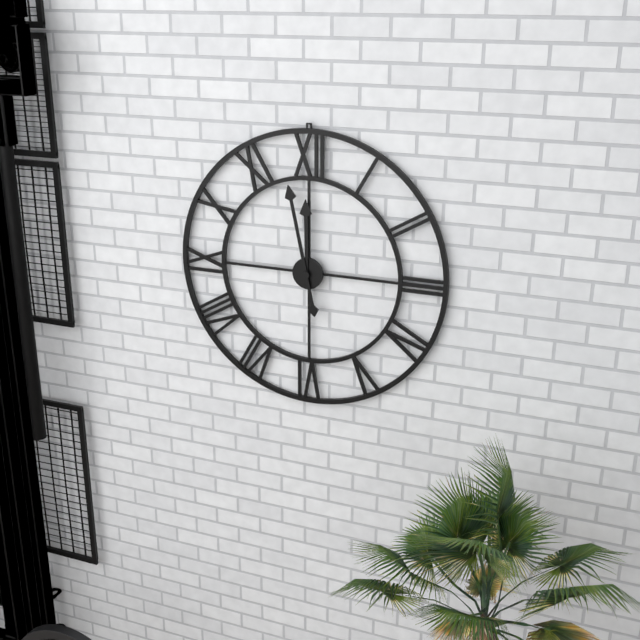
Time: **11:58**
